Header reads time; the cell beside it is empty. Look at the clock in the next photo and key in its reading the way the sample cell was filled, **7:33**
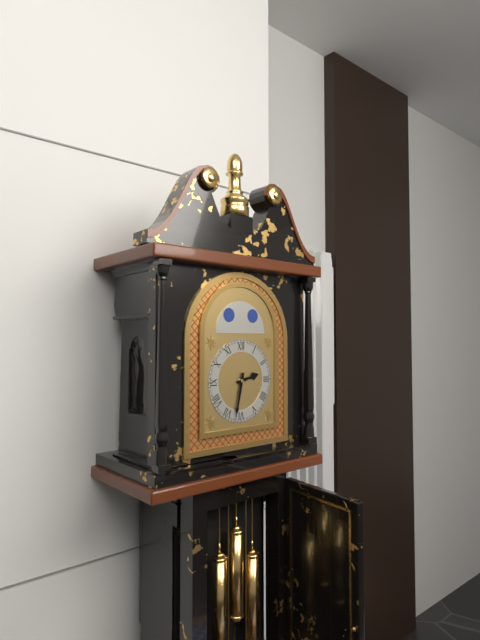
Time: **2:32**
